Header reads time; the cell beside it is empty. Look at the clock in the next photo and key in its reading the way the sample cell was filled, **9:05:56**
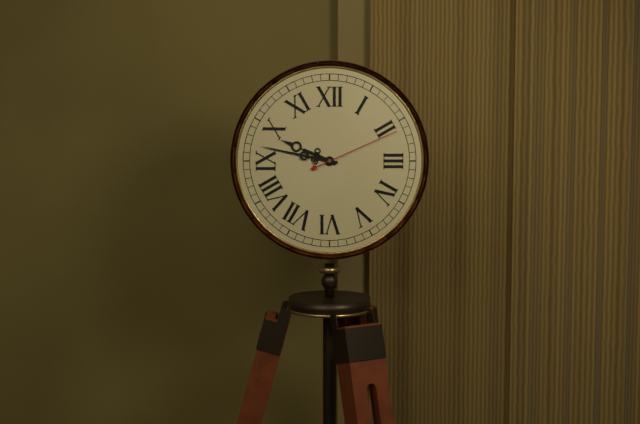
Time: **9:47:11**
